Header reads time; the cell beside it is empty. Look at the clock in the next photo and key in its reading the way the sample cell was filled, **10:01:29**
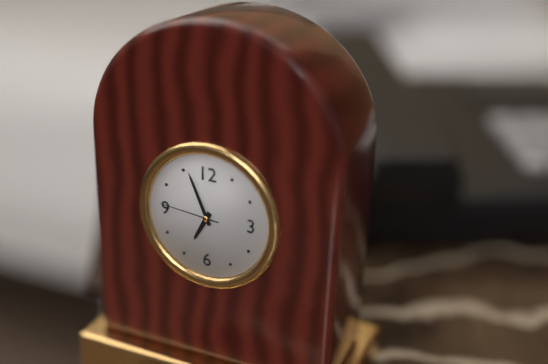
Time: **6:56:46**
